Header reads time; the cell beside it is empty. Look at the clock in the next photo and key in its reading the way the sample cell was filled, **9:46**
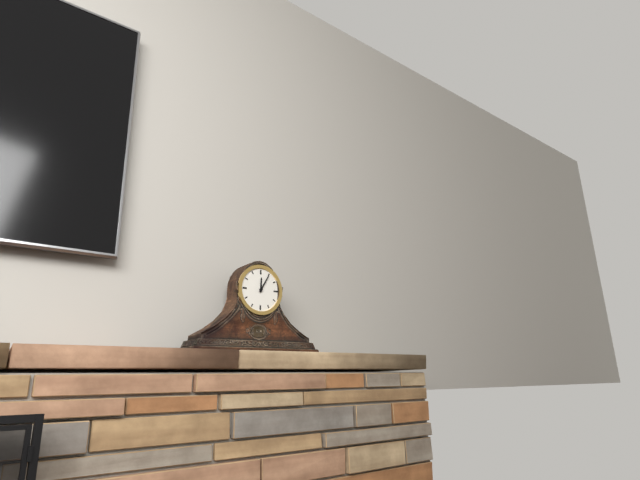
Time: **12:05**
